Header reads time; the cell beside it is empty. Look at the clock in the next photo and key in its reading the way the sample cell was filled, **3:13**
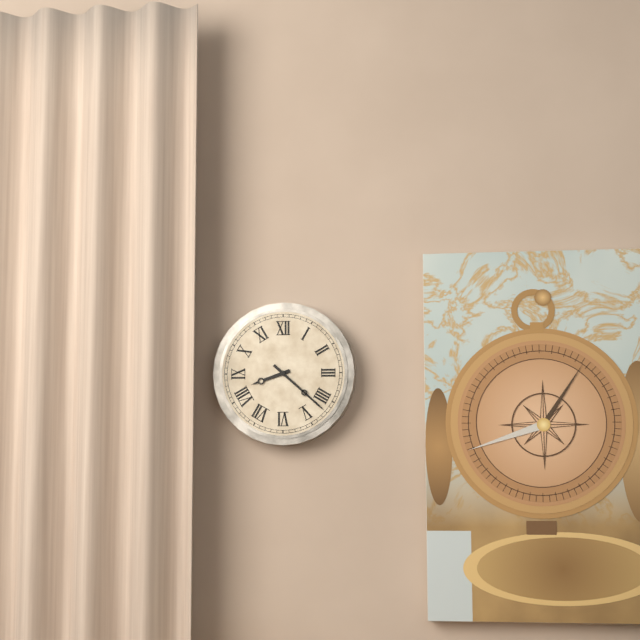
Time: **8:22**
